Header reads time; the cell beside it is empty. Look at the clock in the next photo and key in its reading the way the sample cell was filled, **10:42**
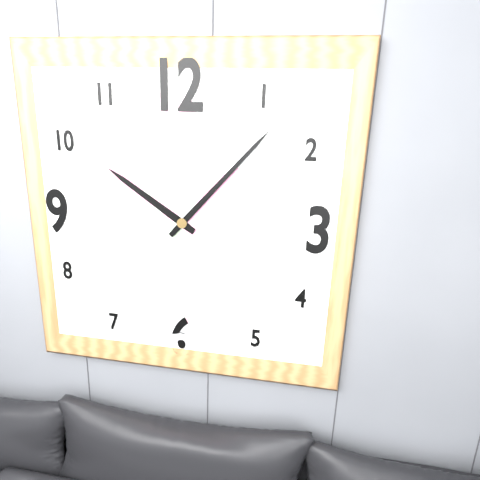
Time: **10:07**
